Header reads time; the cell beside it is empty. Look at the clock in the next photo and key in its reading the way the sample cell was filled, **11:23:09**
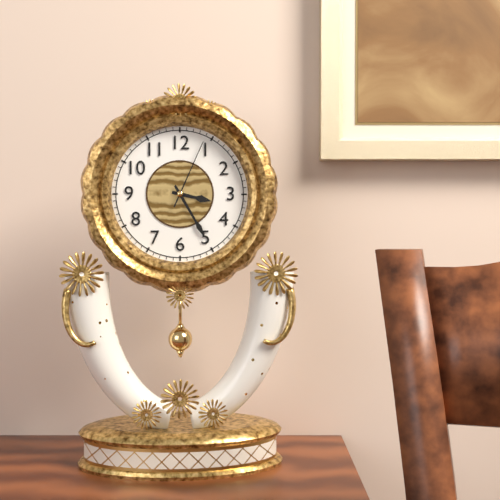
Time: **3:25:04**
